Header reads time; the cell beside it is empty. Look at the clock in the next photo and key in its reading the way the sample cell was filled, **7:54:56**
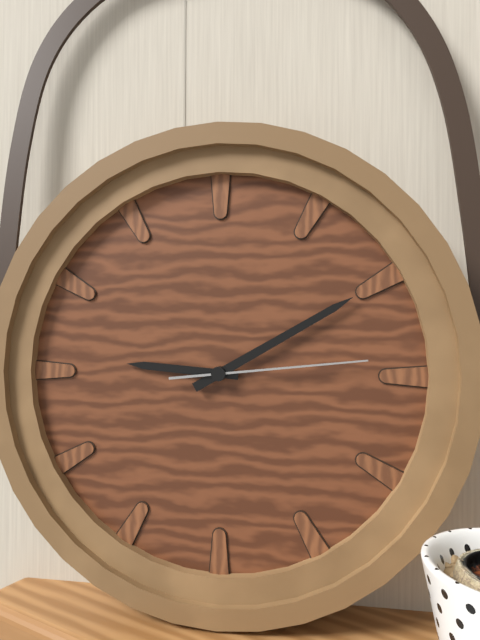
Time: **9:10:14**
